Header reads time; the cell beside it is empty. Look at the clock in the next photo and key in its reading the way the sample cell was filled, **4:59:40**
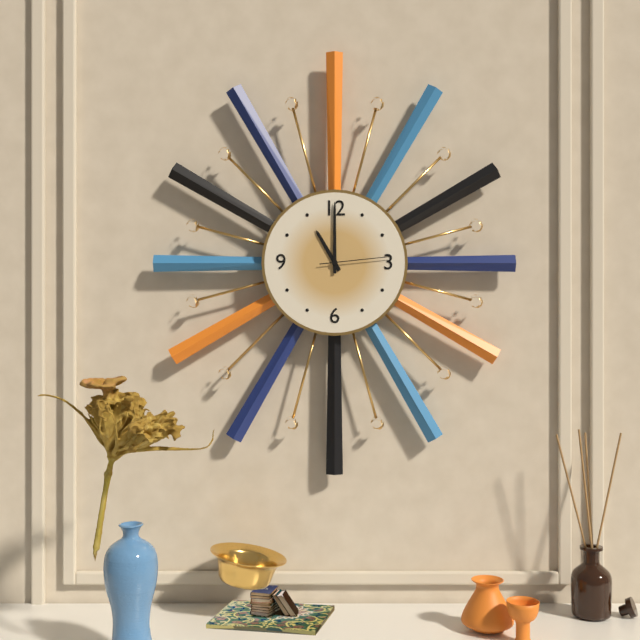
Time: **11:00:14**
